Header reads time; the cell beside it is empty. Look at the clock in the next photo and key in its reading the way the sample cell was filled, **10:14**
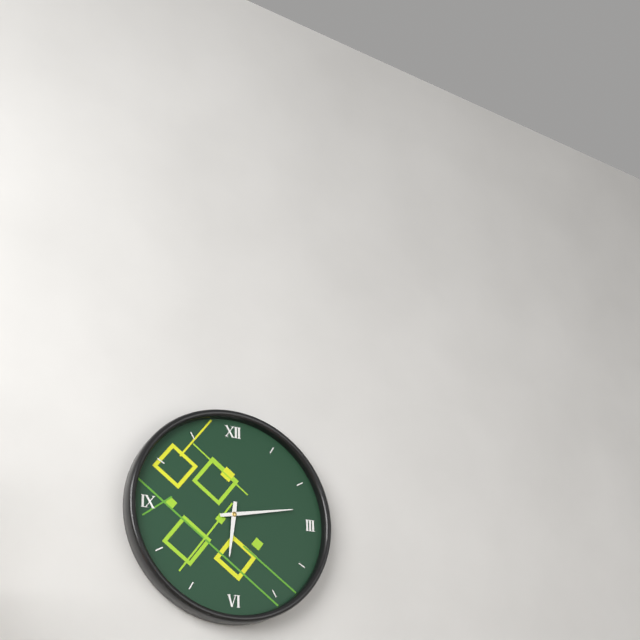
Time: **6:13**
